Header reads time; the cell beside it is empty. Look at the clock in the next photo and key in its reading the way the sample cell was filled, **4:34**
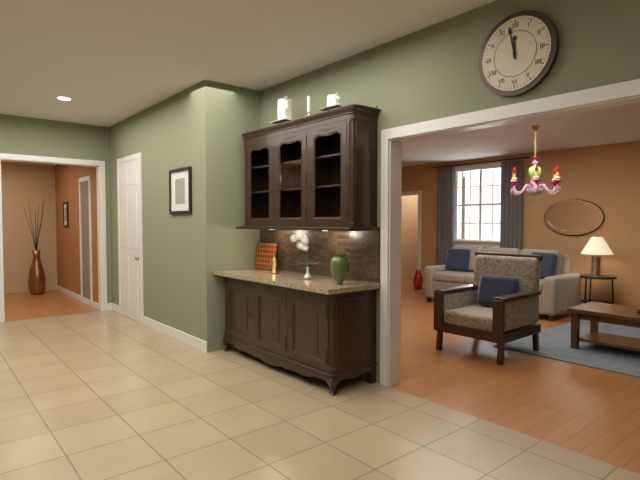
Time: **11:58**
